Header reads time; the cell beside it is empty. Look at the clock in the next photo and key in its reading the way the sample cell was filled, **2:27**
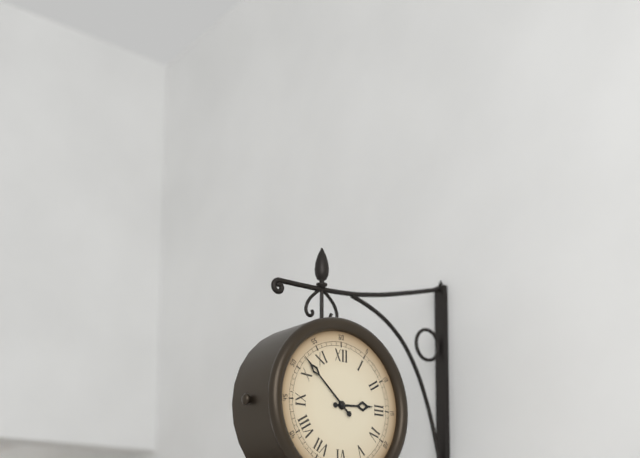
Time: **2:52**
